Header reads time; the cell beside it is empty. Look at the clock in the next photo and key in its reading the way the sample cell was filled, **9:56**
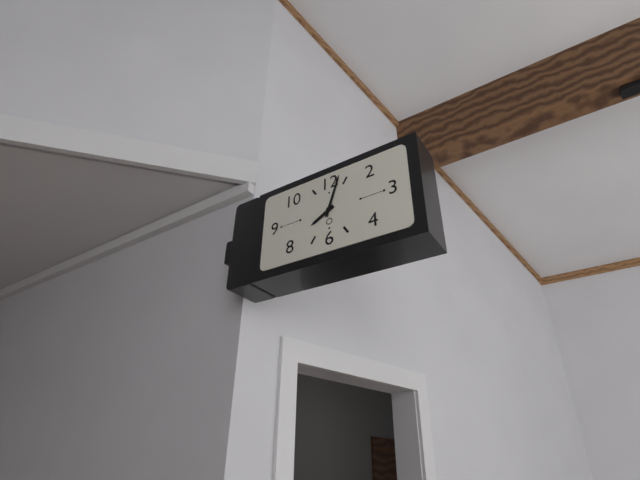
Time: **8:03**
